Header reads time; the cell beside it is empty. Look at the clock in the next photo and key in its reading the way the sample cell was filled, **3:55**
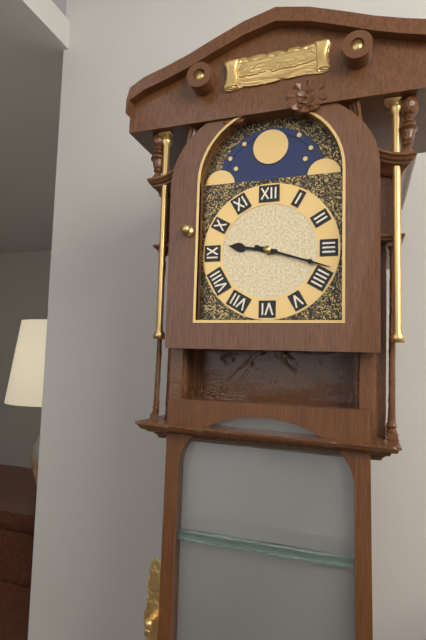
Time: **9:18**
